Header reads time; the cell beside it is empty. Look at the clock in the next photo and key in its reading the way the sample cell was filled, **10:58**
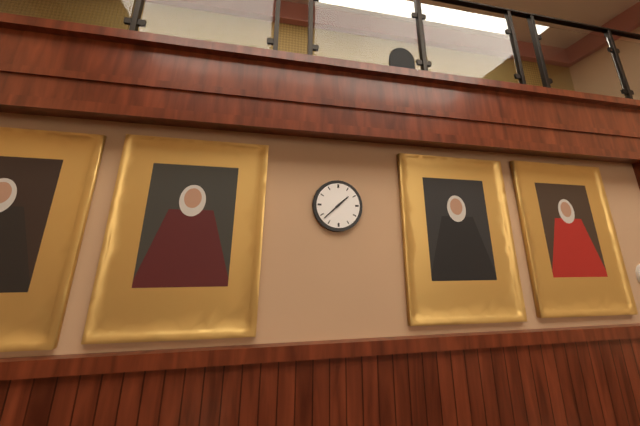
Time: **1:38**
